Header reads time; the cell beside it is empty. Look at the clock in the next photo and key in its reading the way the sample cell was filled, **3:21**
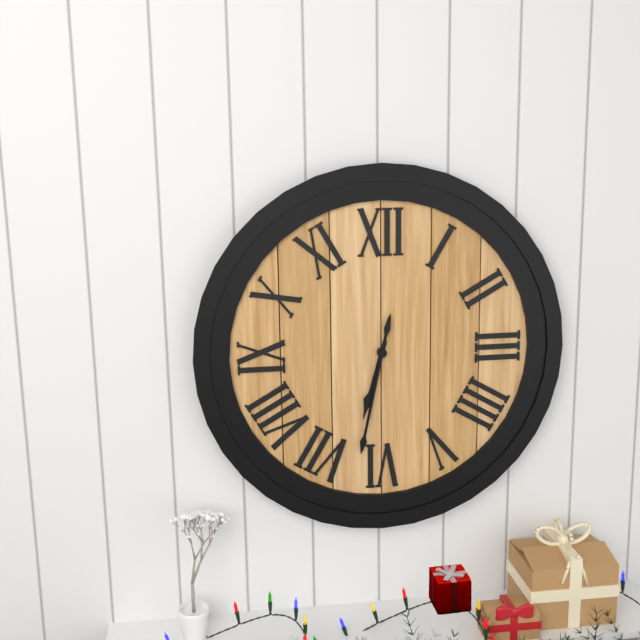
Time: **6:32**
